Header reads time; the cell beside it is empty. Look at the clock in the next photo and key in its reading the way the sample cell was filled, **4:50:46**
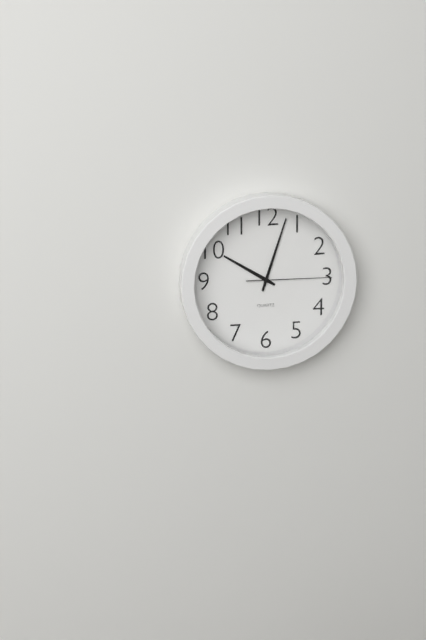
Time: **10:03:15**
